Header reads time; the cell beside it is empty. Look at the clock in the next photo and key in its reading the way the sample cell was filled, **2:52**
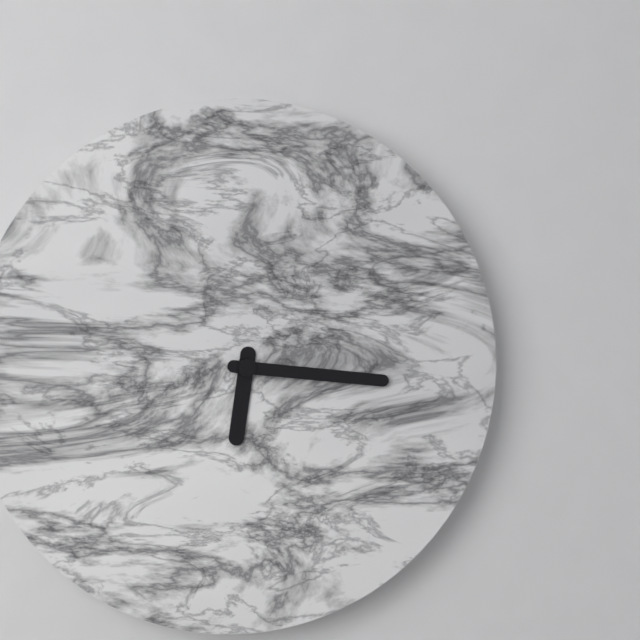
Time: **6:16**
